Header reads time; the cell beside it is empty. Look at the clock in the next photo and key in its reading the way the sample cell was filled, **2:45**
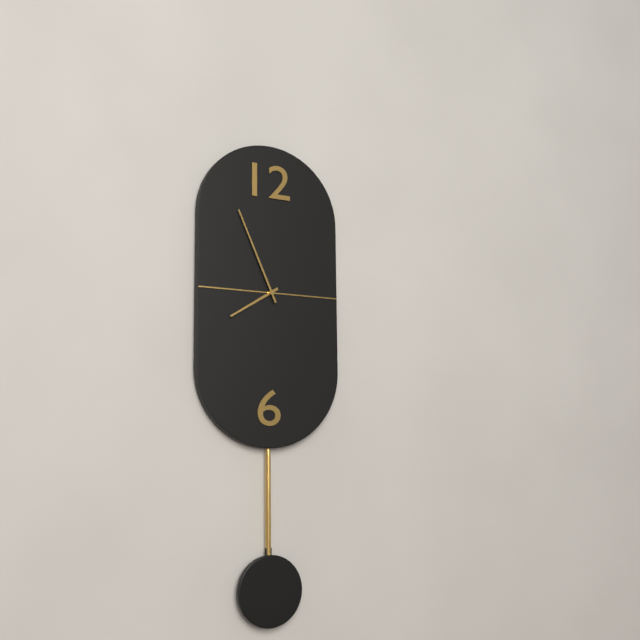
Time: **7:56**
